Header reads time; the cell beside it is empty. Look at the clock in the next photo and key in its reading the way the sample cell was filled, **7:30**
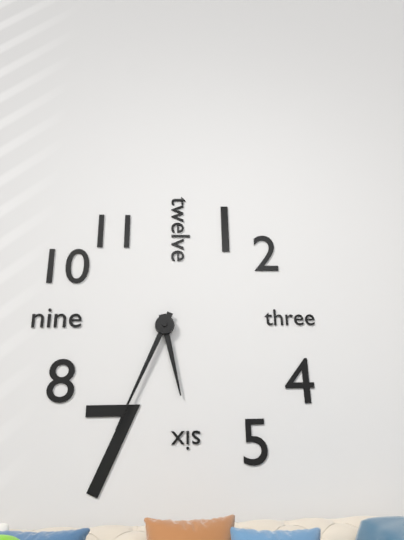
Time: **5:34**
